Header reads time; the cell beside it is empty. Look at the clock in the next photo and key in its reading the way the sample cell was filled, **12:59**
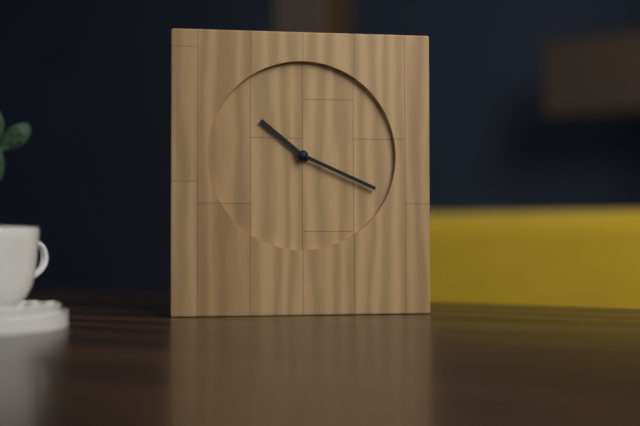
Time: **10:19**
